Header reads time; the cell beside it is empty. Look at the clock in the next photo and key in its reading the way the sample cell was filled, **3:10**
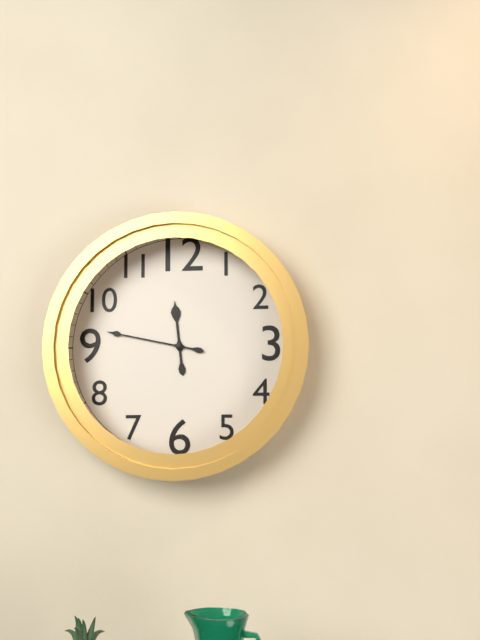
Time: **11:47**
